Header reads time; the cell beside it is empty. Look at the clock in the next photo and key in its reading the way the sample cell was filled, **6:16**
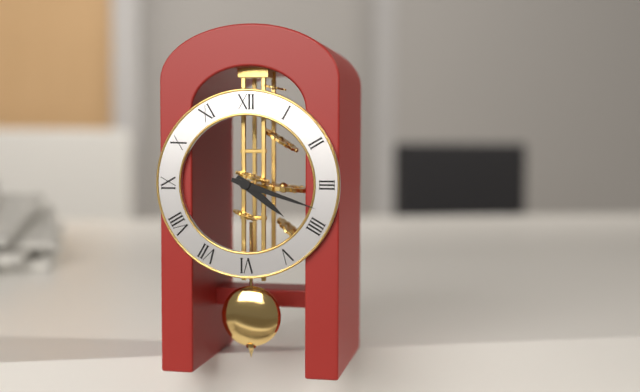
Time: **4:18**
